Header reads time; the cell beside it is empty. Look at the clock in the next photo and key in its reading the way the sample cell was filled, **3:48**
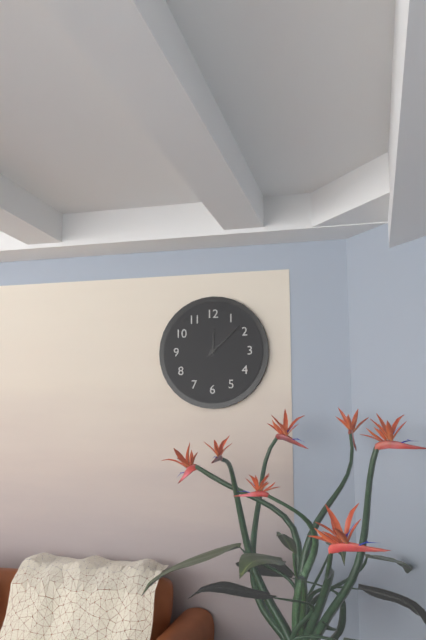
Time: **12:08**
